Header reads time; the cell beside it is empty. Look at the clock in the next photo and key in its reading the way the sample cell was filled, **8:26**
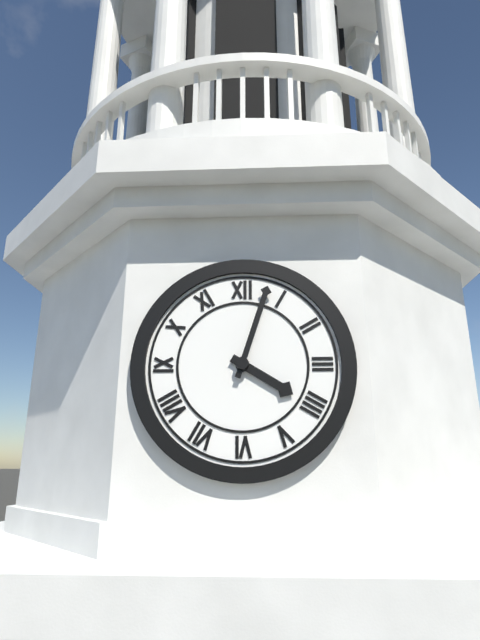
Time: **4:03**
